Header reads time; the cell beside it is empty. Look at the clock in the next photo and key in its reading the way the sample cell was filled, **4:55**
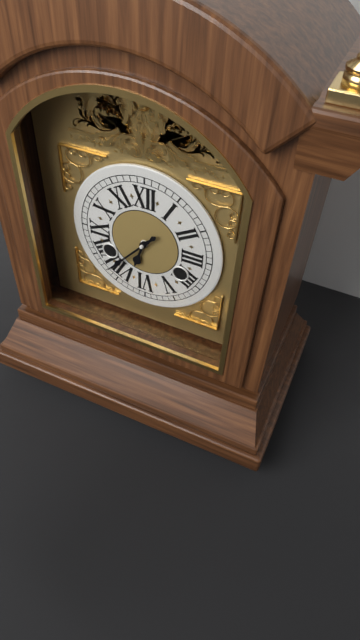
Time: **6:37**
